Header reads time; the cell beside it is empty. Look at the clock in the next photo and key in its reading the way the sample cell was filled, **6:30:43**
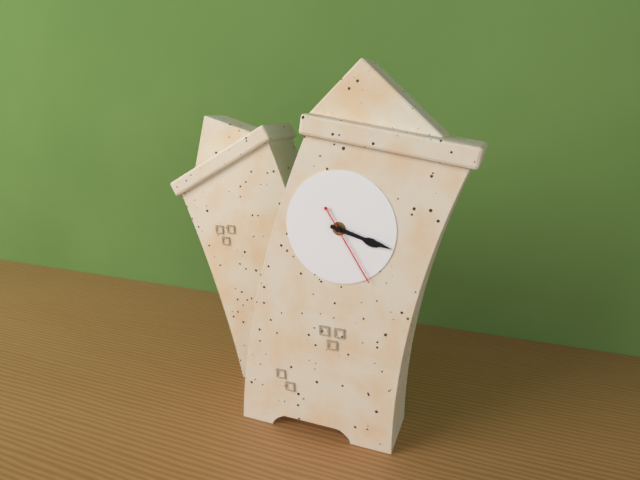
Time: **3:16:23**
